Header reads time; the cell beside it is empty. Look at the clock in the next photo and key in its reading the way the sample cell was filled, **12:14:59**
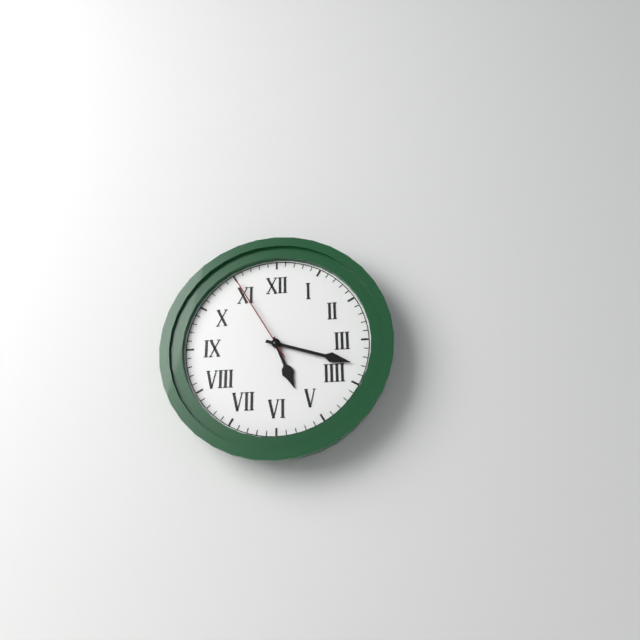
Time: **5:18:55**
